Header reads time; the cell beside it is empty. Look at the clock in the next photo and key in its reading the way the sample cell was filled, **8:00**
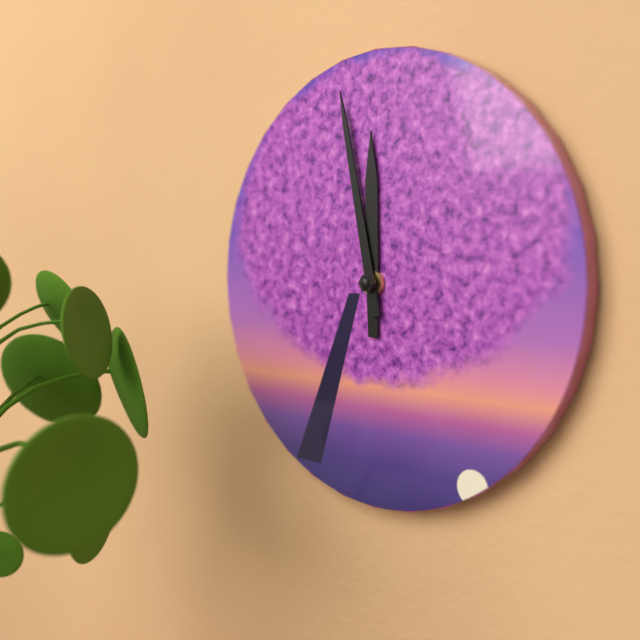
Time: **11:58**
